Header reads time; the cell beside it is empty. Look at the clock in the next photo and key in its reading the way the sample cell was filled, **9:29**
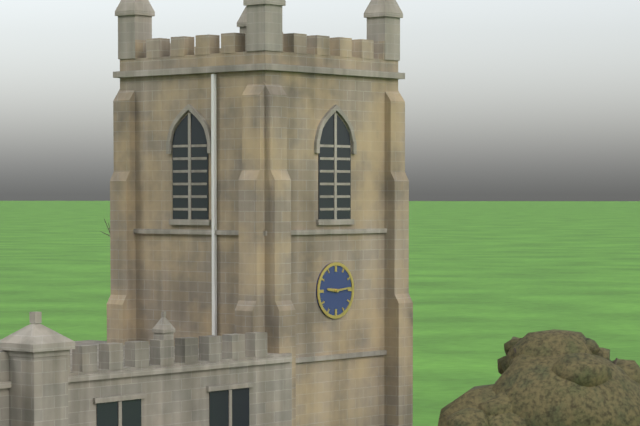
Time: **9:14**
